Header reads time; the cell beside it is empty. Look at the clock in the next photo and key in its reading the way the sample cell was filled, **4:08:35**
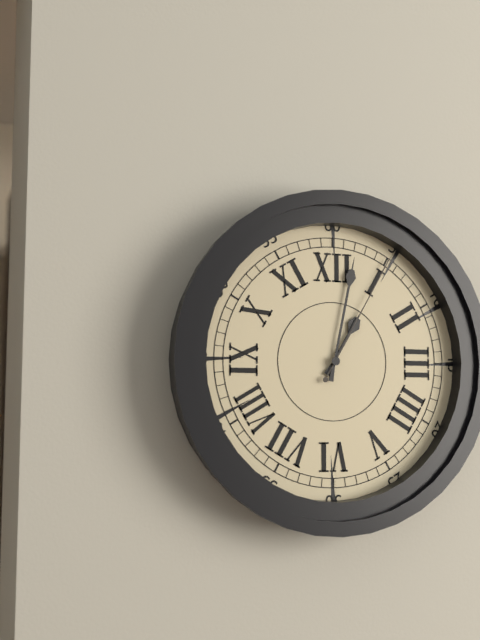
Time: **1:02:05**
